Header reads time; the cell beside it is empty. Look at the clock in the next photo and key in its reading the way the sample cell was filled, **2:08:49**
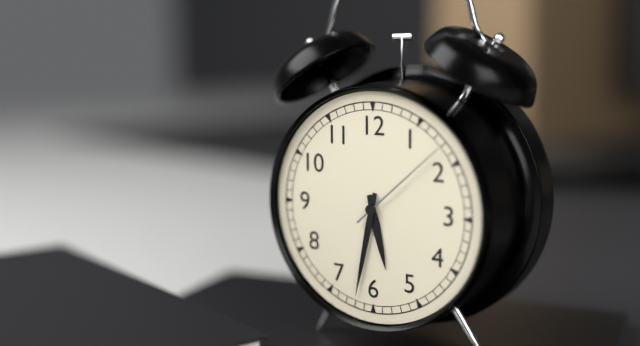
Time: **5:32:08**
